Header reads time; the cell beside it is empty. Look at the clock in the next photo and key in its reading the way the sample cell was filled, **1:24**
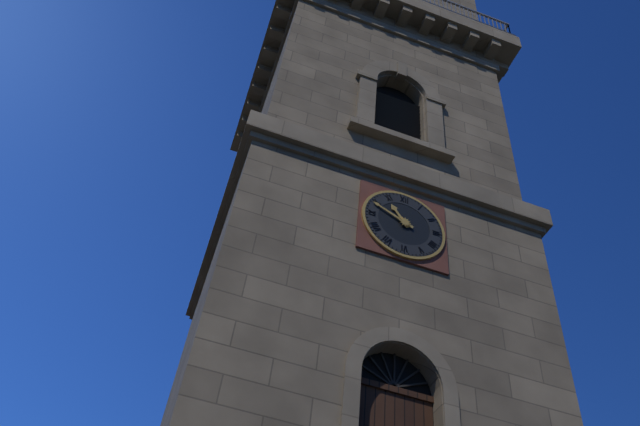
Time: **10:49**
